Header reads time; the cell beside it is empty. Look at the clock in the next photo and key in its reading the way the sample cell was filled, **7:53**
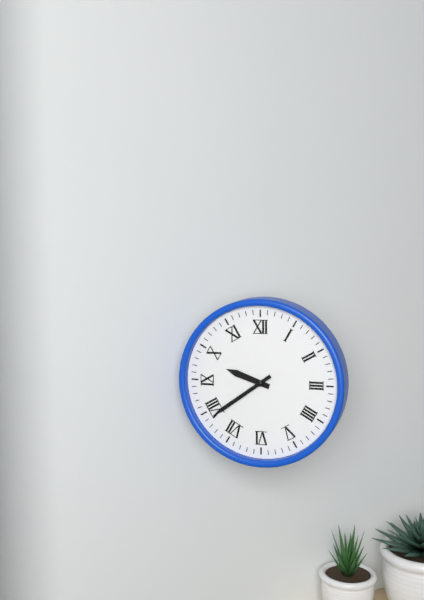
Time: **9:39**
